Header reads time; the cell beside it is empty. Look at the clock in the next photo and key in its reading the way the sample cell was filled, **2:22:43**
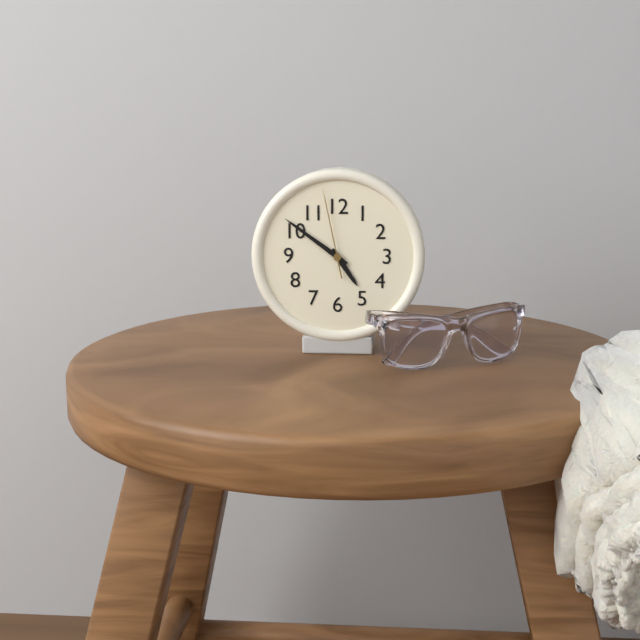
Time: **4:51:58**
